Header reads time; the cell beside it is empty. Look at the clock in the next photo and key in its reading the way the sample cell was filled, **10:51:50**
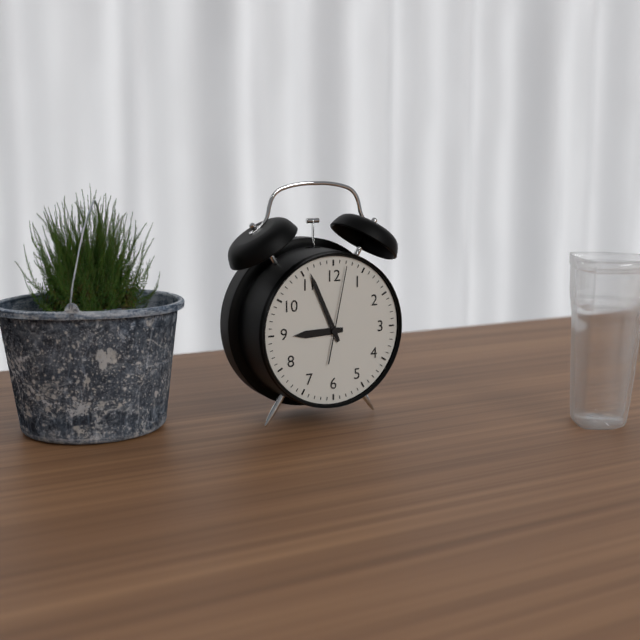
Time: **8:56:02**
